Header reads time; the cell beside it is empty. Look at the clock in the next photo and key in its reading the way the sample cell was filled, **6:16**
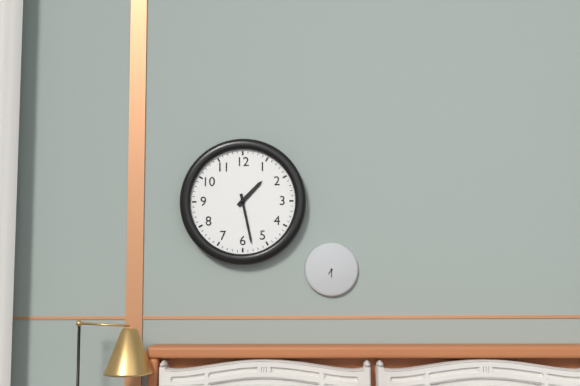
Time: **1:28**
